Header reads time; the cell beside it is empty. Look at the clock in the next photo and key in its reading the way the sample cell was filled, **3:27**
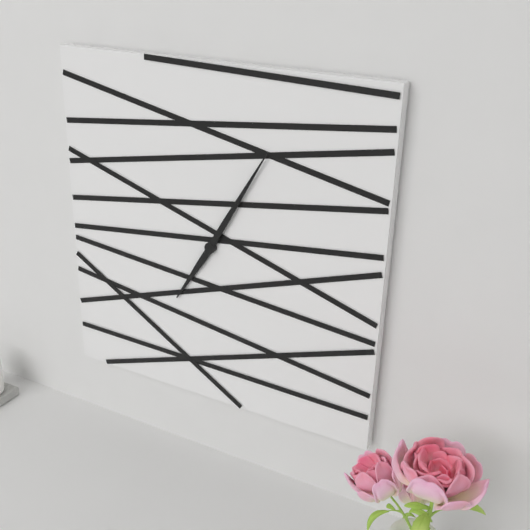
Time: **7:05**
